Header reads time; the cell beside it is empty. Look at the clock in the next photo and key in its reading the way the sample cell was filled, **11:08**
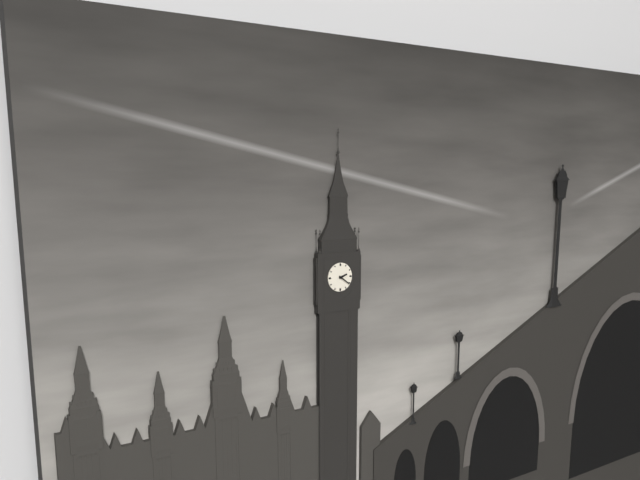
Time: **2:21**
